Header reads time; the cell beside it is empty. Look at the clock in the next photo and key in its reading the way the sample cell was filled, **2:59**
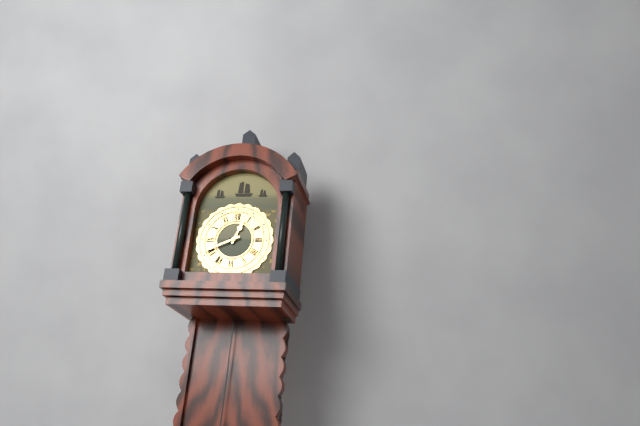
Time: **12:41**
